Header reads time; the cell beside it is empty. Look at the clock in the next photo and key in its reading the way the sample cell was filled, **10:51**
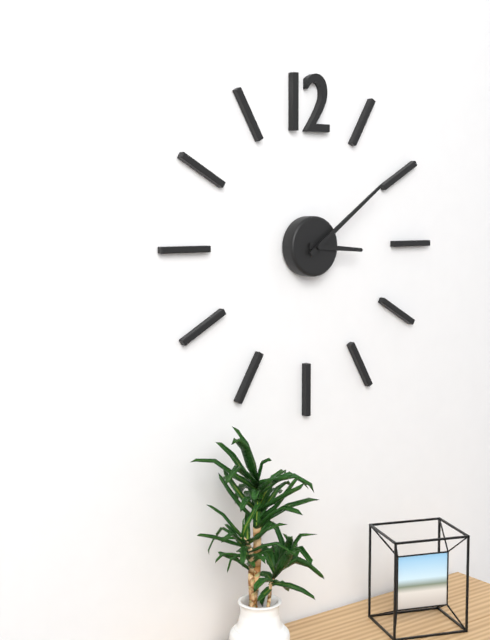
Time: **3:09**
